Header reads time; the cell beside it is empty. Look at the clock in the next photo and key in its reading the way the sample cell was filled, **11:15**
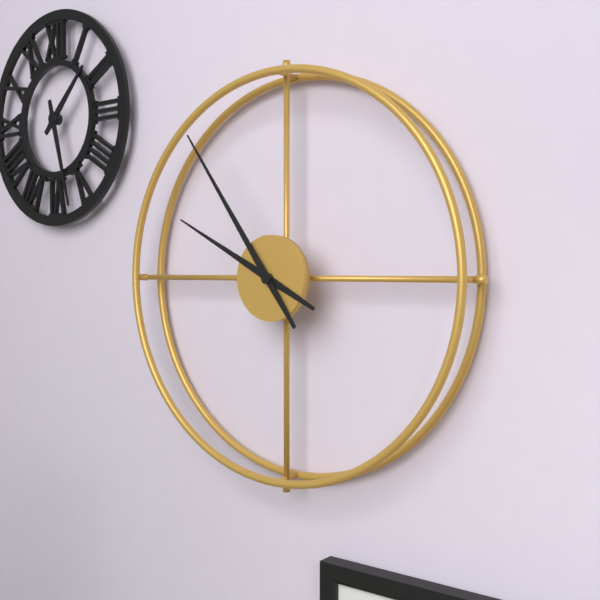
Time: **9:54**
